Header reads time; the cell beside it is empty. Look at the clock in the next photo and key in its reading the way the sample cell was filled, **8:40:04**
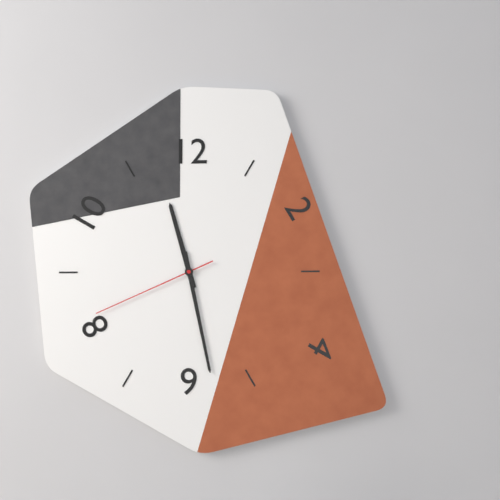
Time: **11:28:41**
